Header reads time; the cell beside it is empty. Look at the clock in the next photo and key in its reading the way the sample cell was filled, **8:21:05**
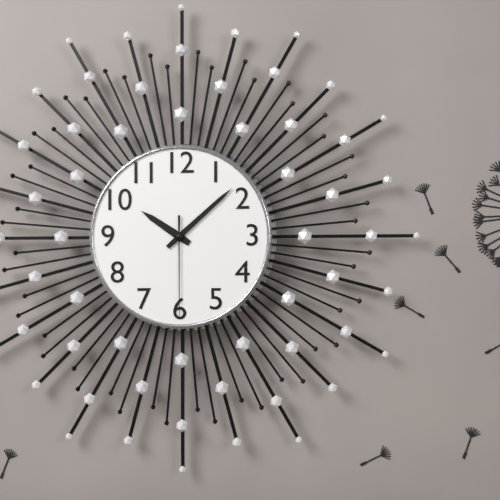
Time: **10:08:30**
